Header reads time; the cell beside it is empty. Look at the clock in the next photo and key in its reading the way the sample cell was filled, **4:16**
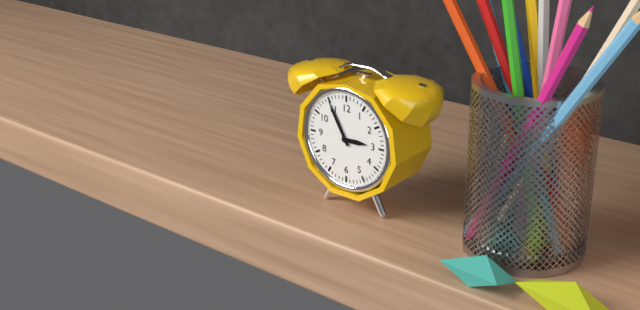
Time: **2:55**
